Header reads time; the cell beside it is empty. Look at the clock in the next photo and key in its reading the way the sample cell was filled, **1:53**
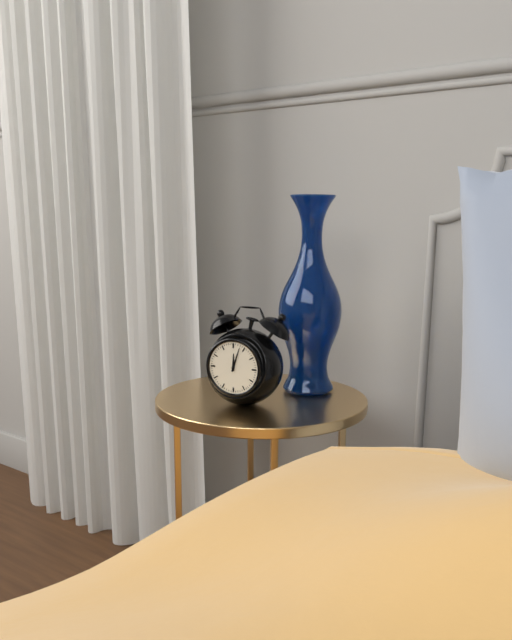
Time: **12:03**
